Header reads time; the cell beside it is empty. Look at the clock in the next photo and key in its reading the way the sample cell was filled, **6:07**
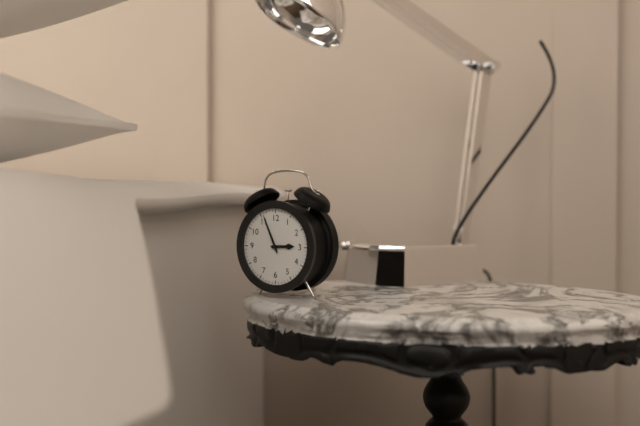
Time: **2:56**
